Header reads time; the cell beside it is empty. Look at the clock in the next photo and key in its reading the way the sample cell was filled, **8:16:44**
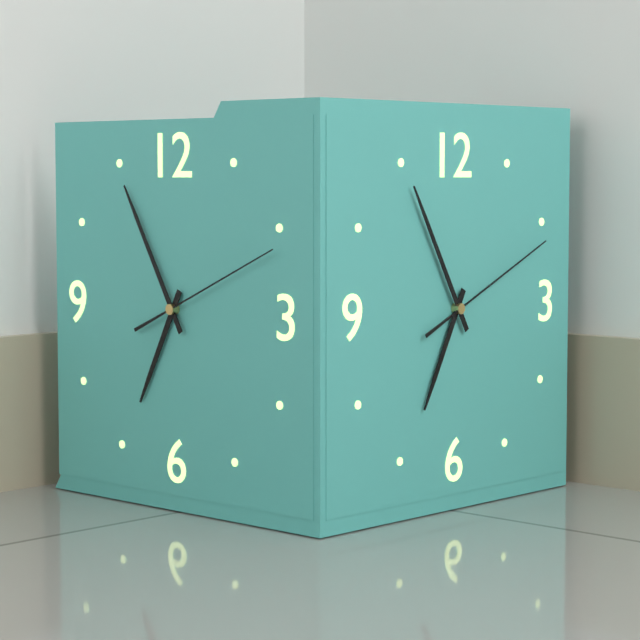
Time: **6:55:11**
